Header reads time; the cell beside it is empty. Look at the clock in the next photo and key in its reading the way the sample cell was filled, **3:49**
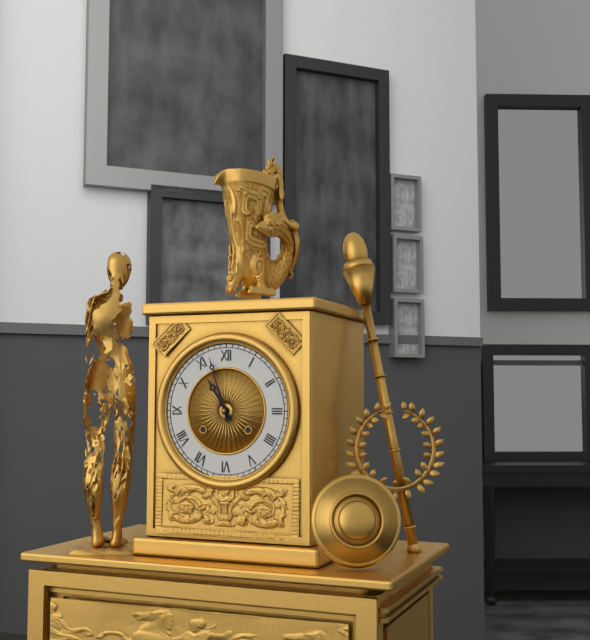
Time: **10:57**
